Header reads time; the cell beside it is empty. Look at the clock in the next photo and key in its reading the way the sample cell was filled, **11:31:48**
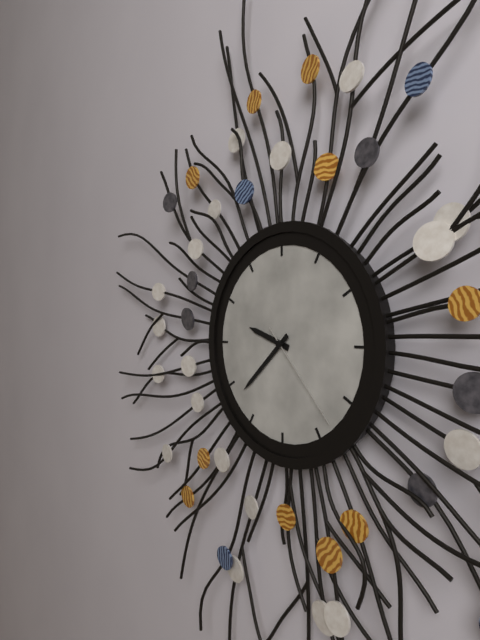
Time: **9:38:23**
